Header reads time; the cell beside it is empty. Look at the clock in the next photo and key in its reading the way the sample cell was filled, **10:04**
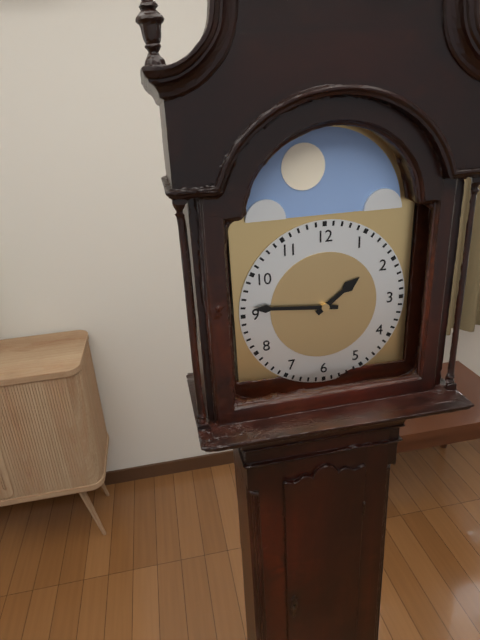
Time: **1:46**
